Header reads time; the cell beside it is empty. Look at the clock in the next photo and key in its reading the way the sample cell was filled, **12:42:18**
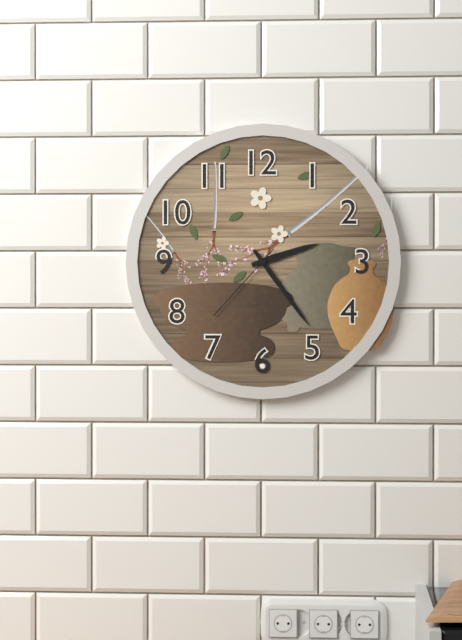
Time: **2:24:37**
